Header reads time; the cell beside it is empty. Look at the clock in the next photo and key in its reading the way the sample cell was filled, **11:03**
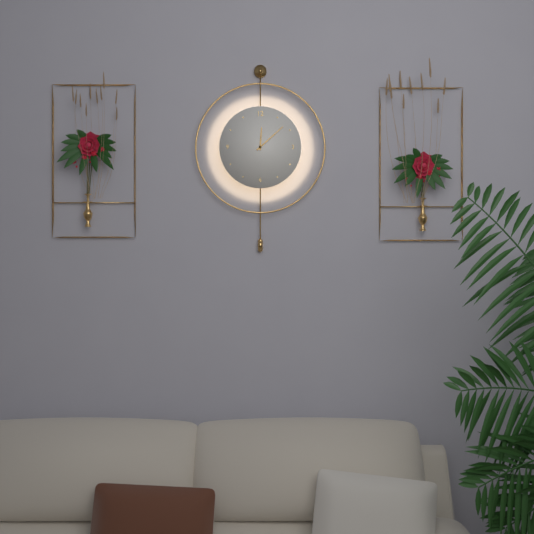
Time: **12:08**
